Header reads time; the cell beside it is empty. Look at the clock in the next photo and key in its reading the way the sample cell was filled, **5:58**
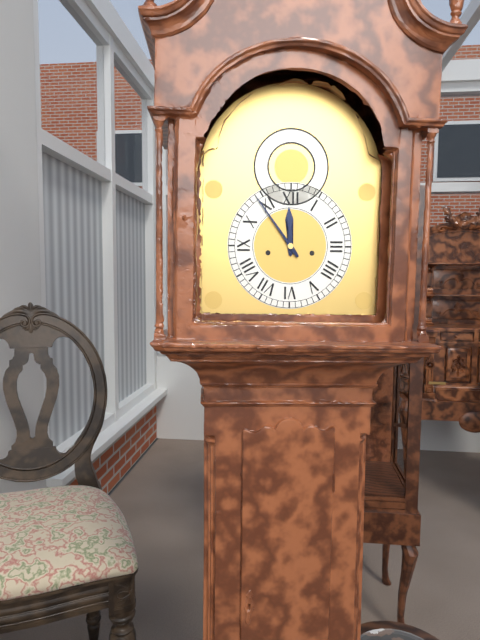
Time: **11:54**
